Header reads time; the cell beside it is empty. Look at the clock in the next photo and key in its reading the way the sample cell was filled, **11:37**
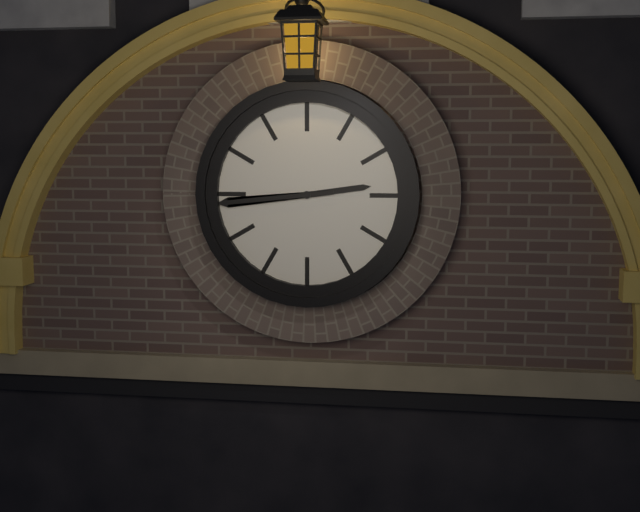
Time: **2:44**
